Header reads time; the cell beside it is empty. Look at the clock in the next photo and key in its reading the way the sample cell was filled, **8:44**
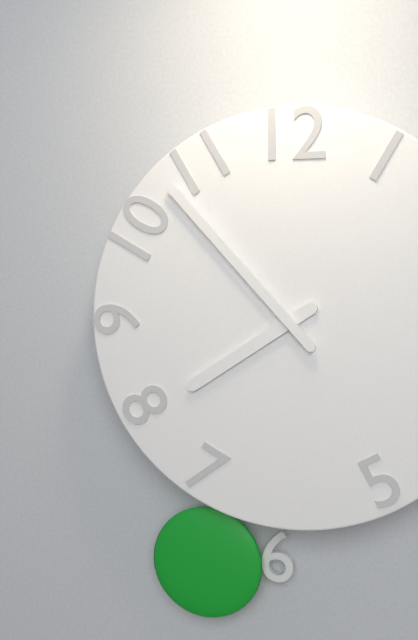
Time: **7:53**
